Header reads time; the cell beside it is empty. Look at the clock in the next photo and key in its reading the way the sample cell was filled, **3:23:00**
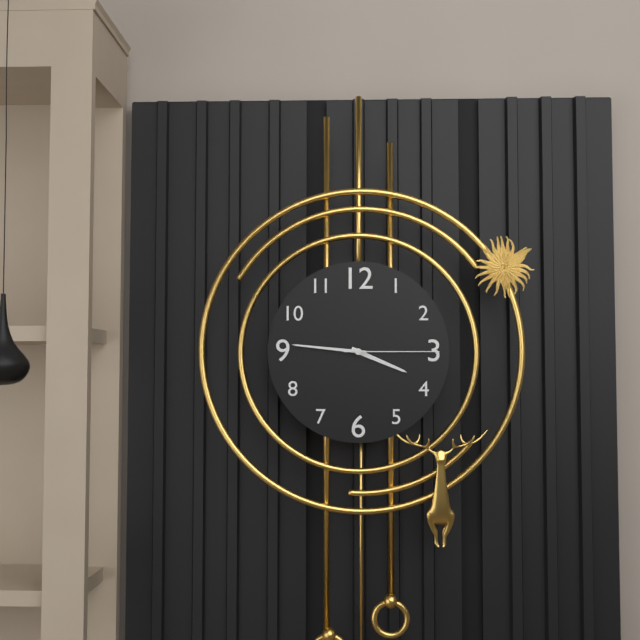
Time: **3:46:15**
